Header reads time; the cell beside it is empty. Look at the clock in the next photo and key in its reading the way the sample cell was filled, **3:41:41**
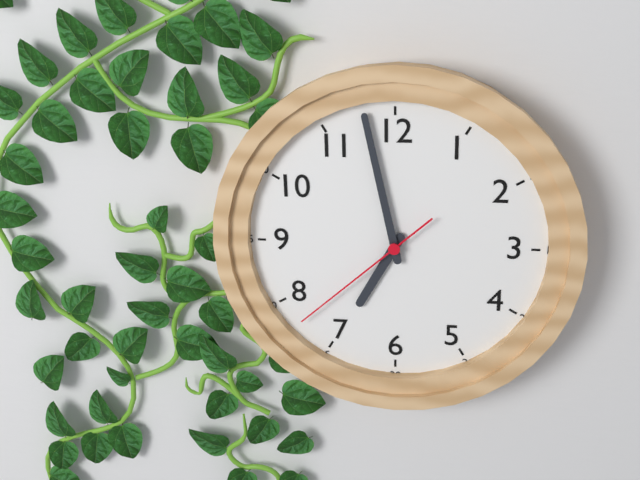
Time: **6:58:38**
